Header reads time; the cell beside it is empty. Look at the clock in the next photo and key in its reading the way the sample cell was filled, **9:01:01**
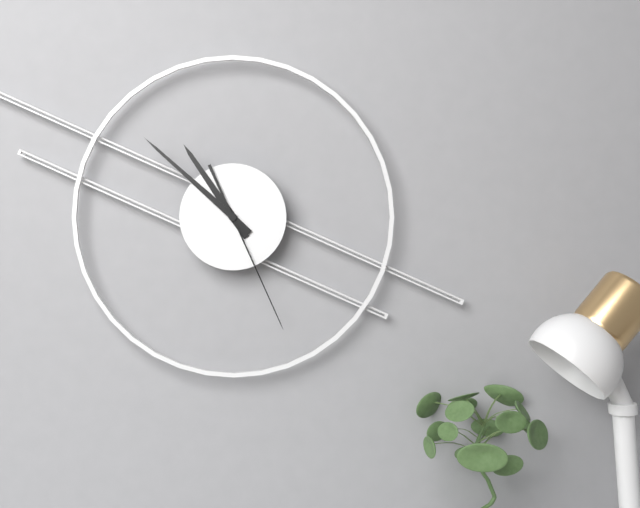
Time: **10:52:26**
